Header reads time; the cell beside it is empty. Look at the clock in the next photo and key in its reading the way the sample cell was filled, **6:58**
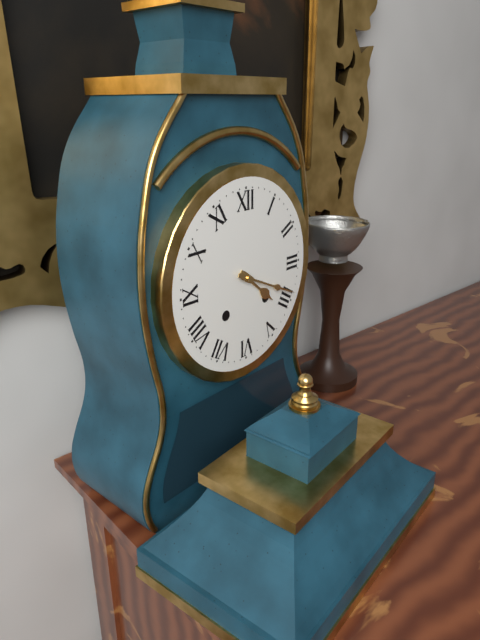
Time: **4:19**
